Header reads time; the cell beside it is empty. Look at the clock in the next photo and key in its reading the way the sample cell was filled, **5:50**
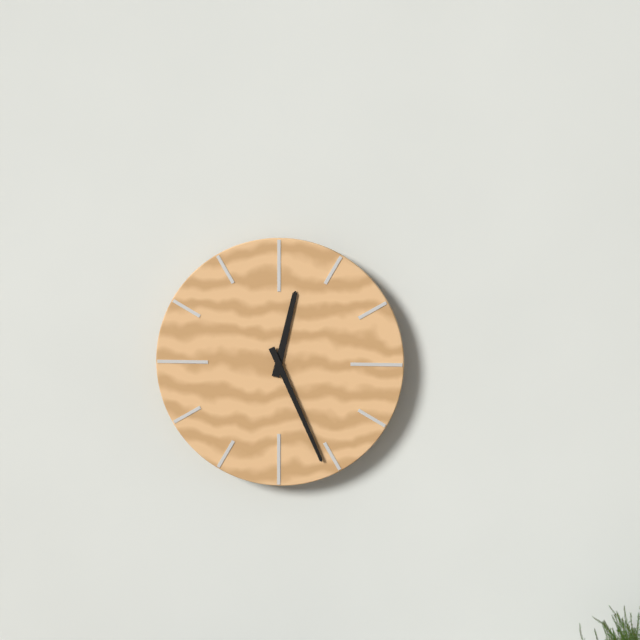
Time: **12:26**
